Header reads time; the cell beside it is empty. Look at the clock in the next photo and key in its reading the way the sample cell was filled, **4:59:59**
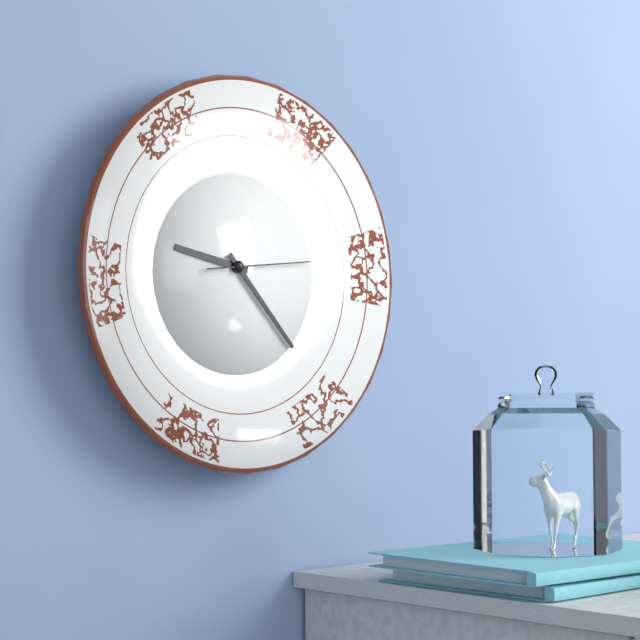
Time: **9:23:14**
